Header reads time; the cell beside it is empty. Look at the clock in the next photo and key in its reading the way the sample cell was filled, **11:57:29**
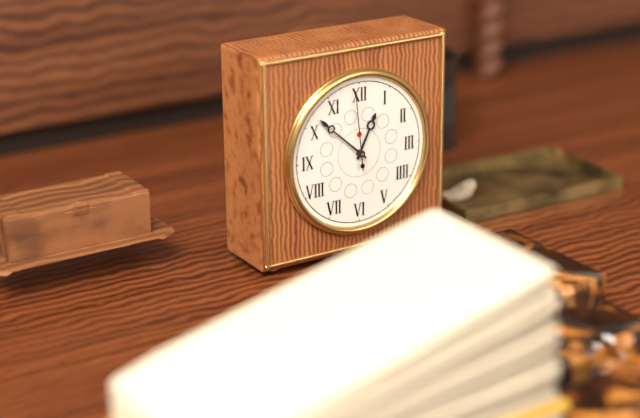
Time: **12:52:59**
